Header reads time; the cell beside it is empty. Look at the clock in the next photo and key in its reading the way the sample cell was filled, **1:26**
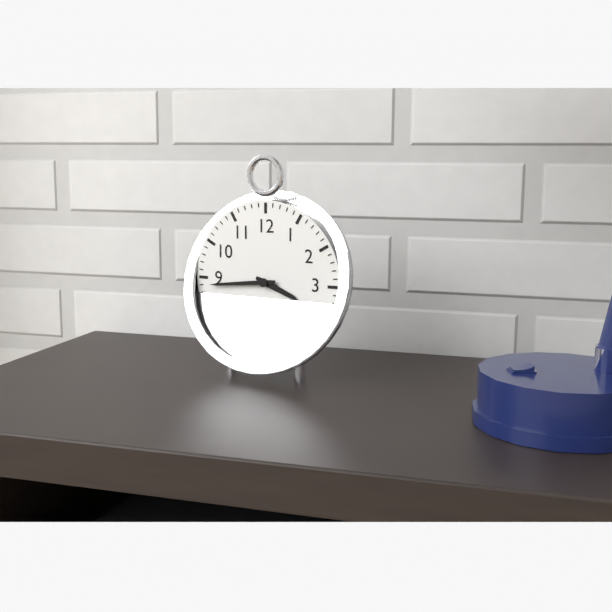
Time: **3:44**
